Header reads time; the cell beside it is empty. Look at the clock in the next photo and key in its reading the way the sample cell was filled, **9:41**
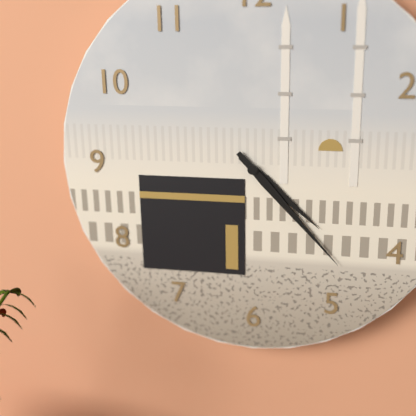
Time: **4:23**
